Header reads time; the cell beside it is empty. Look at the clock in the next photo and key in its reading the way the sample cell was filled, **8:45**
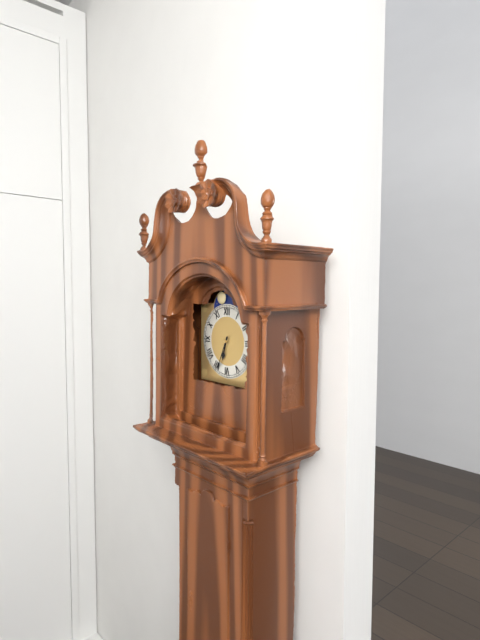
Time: **6:34**
